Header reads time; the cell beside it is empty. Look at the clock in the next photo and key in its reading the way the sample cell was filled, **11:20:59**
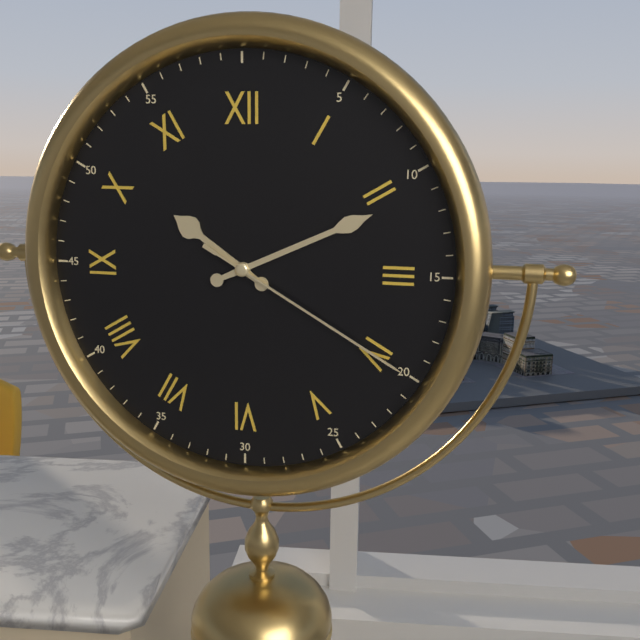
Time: **10:11:20**
